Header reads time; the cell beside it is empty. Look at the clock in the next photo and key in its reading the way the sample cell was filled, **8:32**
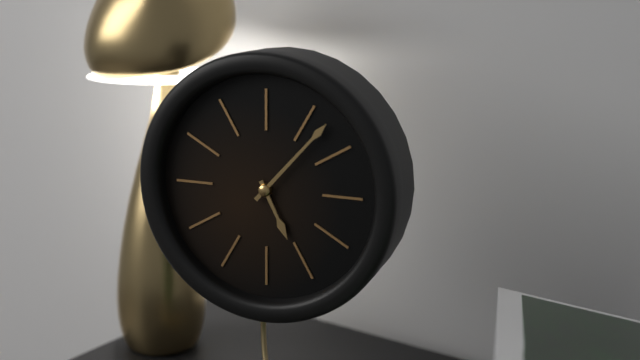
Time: **5:07**
